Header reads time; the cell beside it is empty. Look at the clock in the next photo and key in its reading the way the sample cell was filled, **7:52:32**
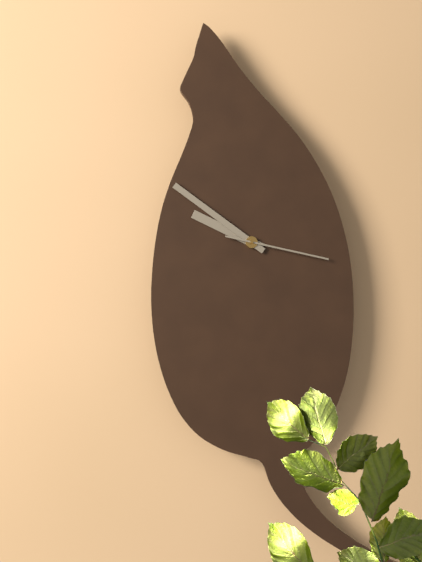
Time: **9:51:17**
